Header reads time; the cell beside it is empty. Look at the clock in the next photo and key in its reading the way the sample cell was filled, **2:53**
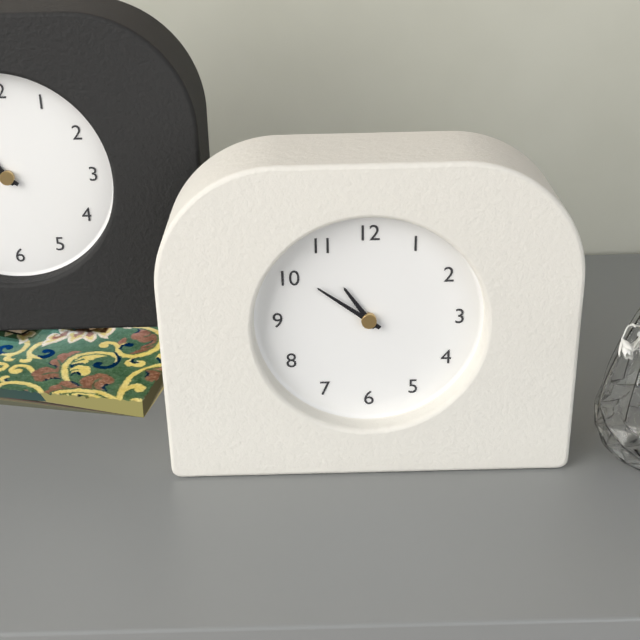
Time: **10:51**
